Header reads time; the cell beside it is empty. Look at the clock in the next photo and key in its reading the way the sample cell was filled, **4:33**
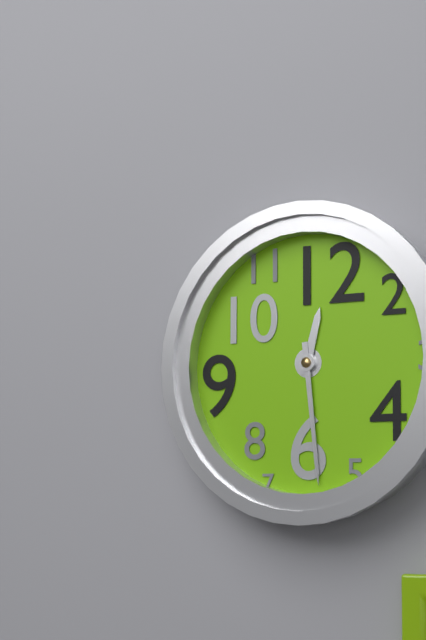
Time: **12:29**
